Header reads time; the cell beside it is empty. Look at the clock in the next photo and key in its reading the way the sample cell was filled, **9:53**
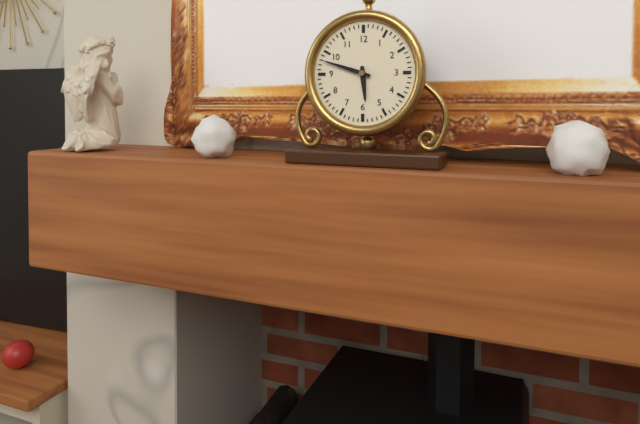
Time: **5:48**
